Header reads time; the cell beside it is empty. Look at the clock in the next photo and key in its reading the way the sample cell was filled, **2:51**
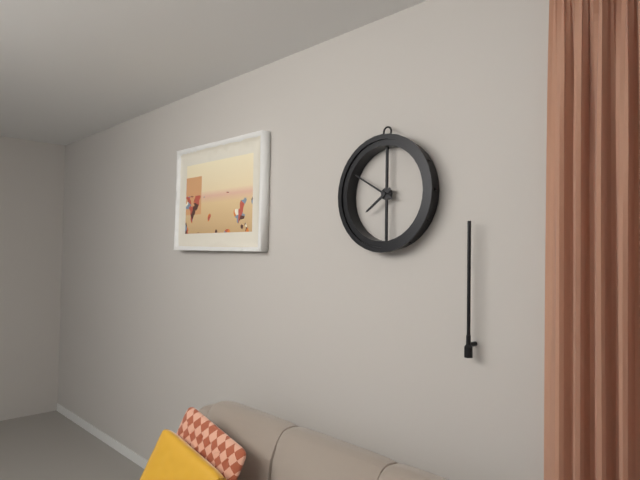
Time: **7:50**
